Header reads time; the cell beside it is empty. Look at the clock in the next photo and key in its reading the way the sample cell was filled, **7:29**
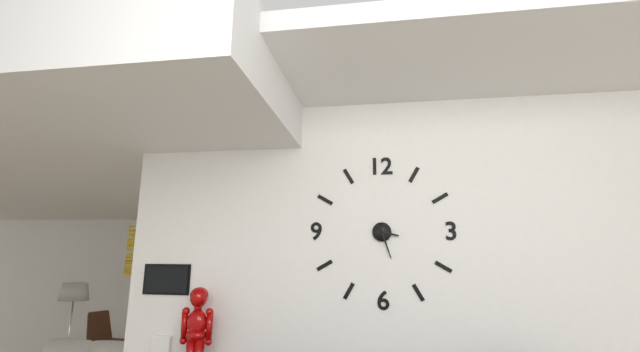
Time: **3:27**
